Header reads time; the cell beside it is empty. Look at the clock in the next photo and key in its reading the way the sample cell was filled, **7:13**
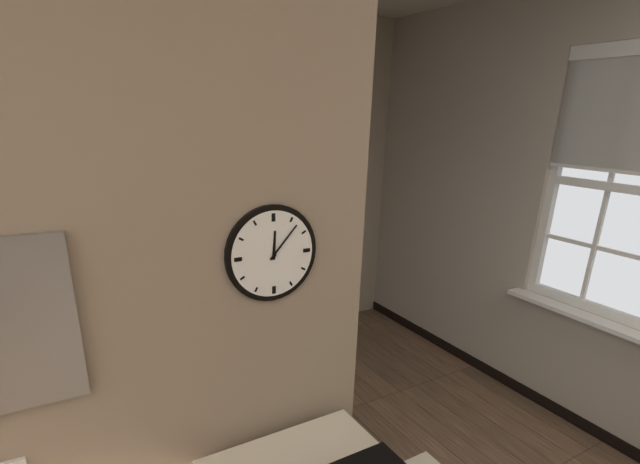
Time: **12:07**
